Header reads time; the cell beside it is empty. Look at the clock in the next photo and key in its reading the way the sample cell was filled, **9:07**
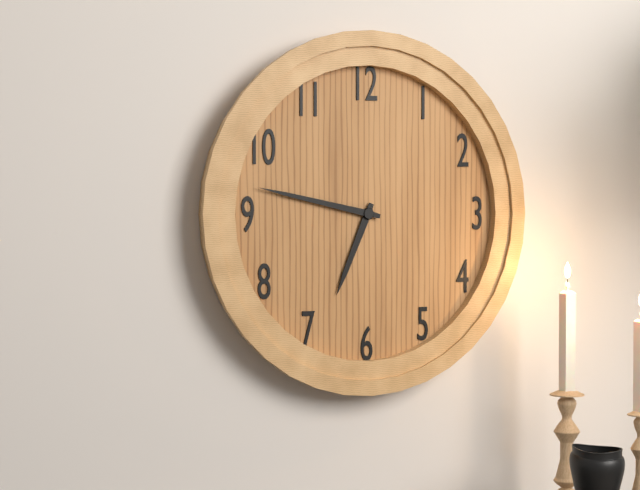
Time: **6:47**
